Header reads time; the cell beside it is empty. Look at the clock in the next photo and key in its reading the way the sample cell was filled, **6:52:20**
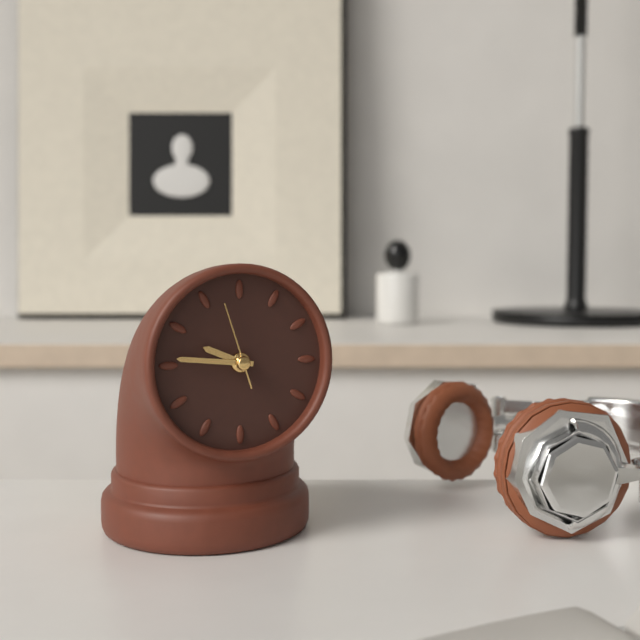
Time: **9:46:57**
